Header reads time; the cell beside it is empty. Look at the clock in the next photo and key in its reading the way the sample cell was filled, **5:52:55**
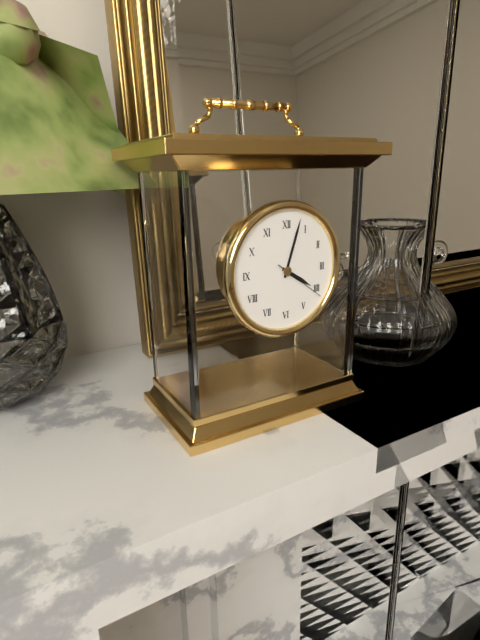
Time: **4:03:21**
